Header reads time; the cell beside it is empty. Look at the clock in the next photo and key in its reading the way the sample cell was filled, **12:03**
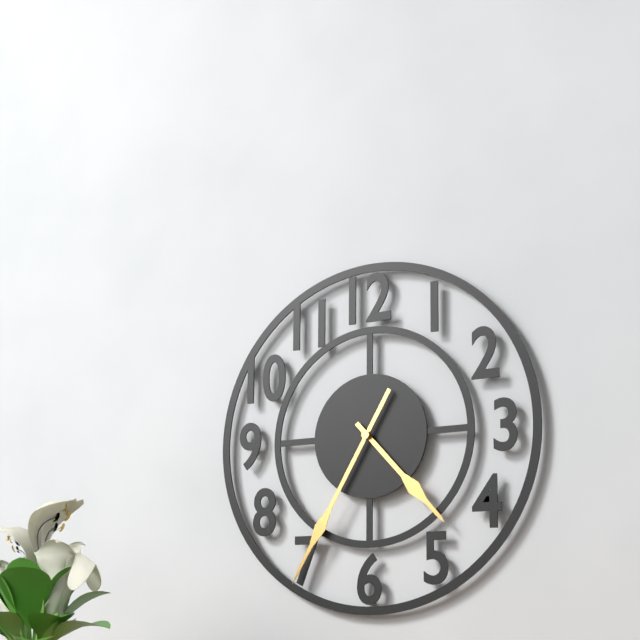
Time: **4:35**
